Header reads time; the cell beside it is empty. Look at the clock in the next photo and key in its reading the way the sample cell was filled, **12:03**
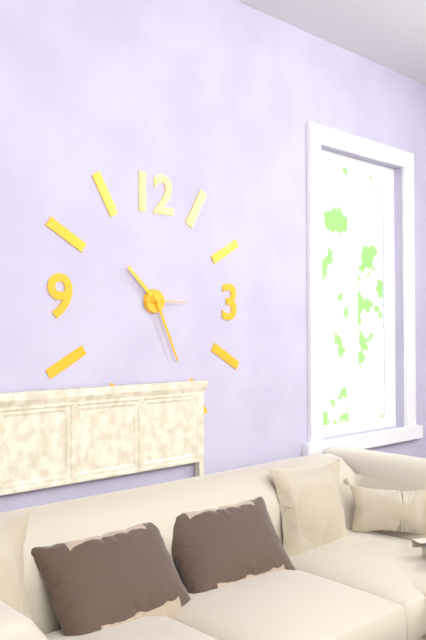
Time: **10:26**
